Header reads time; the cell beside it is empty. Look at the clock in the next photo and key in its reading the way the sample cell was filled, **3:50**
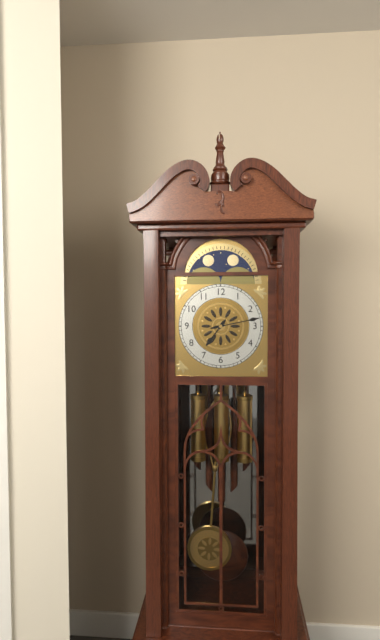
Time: **7:13**
